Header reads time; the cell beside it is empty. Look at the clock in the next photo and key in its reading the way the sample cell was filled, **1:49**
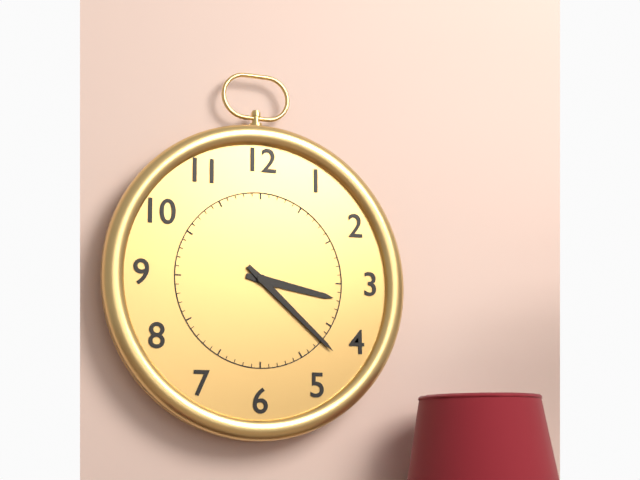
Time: **3:22**
